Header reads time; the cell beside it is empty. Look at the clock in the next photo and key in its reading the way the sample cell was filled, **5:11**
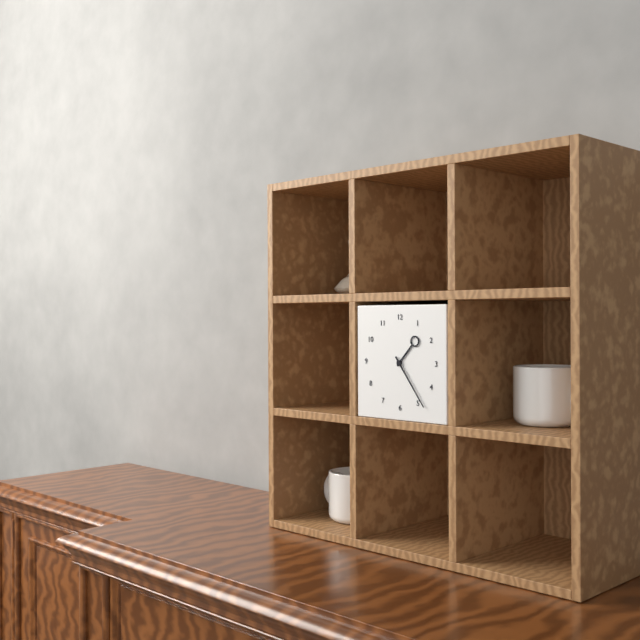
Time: **1:24**
